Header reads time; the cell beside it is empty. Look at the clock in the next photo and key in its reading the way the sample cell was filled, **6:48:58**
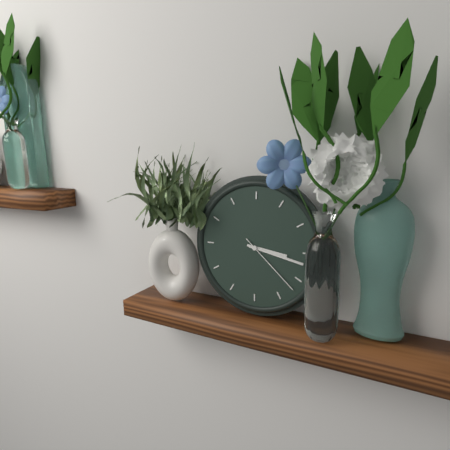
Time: **3:17:22**
